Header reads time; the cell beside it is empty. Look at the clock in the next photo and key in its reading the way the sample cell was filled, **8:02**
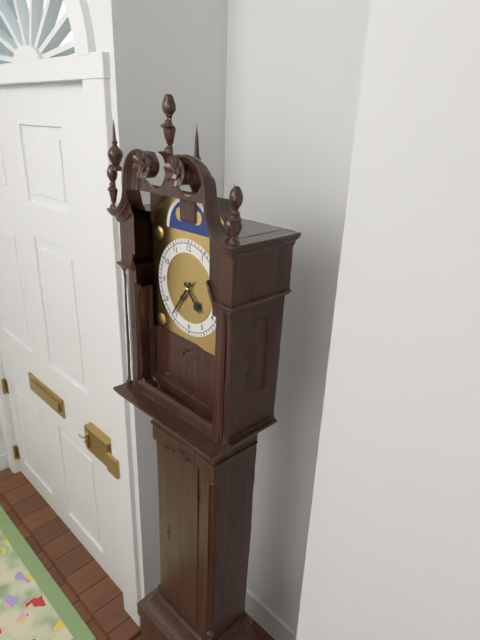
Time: **4:36**
